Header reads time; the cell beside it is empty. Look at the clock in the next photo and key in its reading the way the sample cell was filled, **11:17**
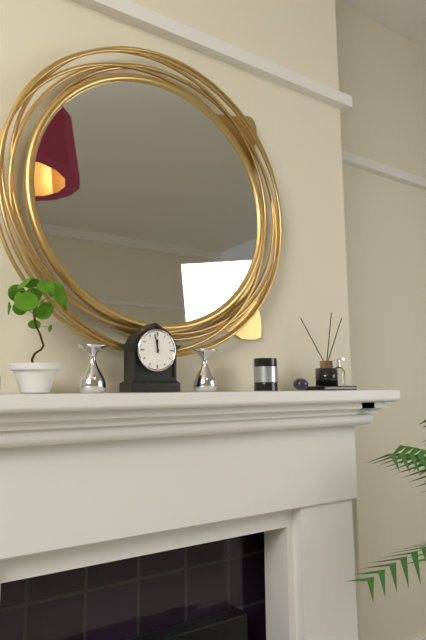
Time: **11:58**
